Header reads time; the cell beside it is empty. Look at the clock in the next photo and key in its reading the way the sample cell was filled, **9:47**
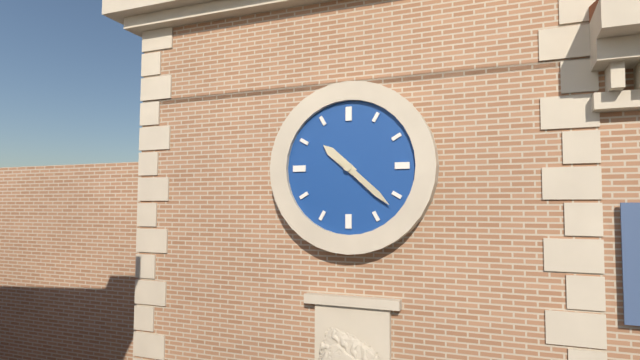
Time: **10:22**
